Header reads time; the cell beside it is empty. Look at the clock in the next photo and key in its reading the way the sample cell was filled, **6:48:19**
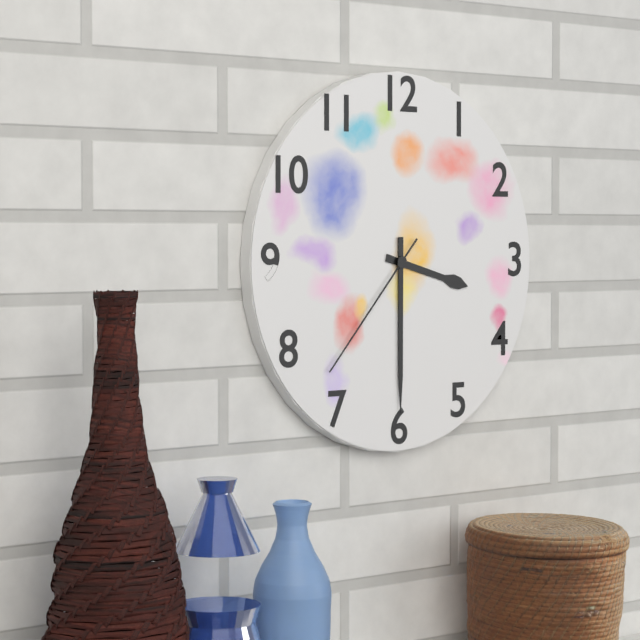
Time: **3:30:37**
